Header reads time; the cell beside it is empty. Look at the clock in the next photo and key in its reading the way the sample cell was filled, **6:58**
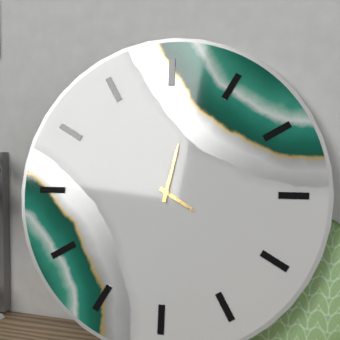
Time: **4:02**
